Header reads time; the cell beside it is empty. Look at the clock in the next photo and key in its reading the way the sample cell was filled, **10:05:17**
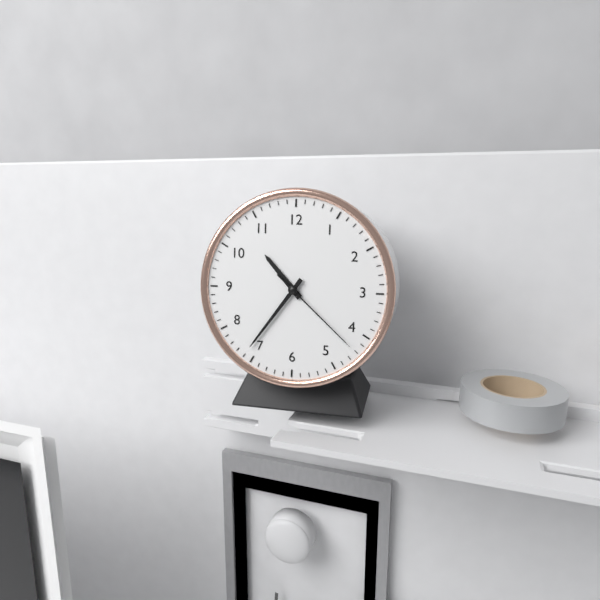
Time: **10:36:22**
